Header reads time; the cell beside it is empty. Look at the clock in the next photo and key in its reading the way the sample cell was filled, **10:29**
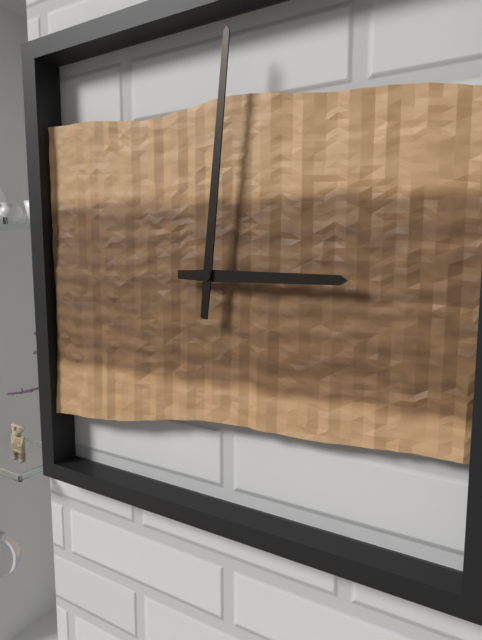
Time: **3:01**
